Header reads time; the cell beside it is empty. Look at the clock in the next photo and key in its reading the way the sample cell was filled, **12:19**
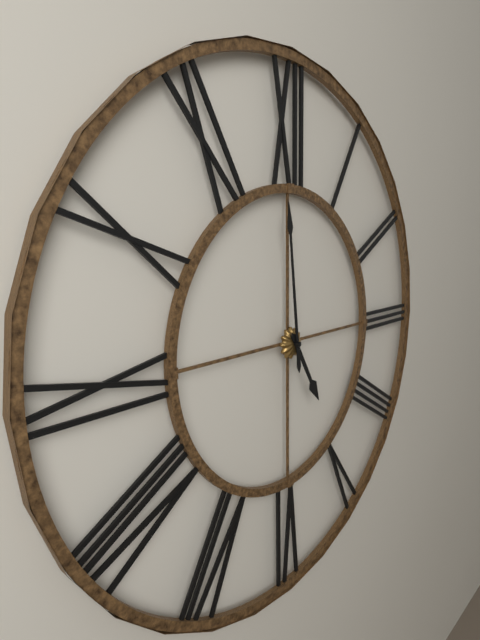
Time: **4:59**
